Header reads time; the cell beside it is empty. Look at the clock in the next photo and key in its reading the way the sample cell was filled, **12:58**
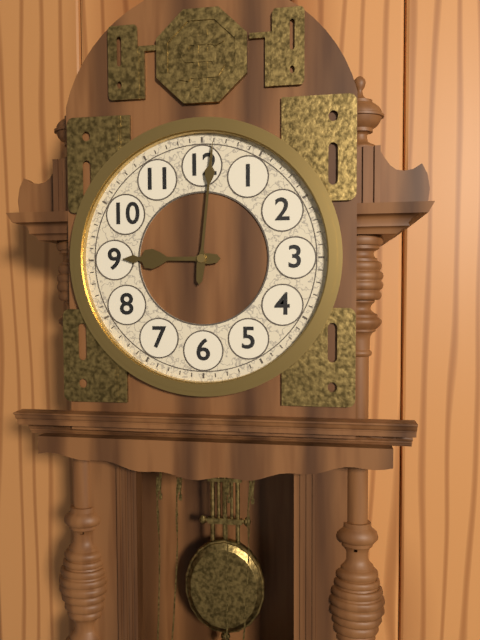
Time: **9:01**
